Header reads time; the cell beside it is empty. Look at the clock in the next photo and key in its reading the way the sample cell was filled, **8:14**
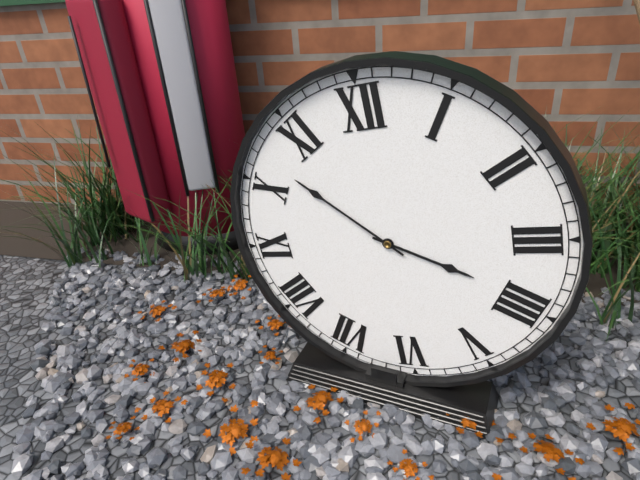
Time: **3:52**
